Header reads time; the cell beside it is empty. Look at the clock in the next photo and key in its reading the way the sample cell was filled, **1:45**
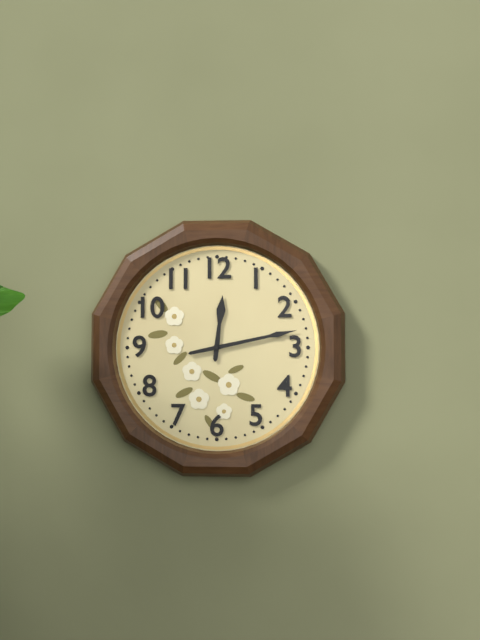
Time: **12:13**
